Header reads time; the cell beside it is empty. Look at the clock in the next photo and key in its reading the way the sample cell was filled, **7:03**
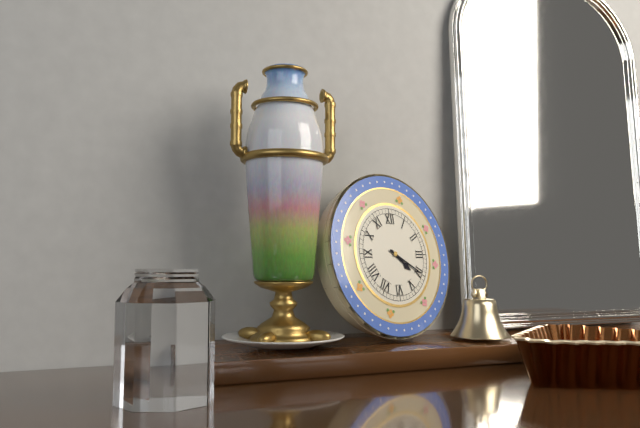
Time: **4:20**
